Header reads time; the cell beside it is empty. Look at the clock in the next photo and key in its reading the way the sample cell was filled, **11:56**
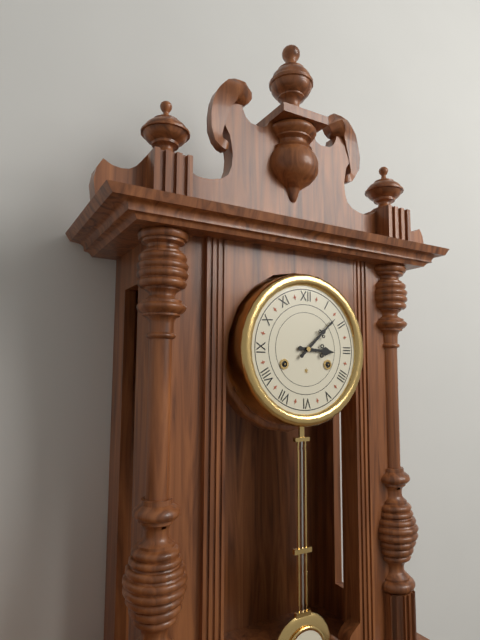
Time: **3:08**
